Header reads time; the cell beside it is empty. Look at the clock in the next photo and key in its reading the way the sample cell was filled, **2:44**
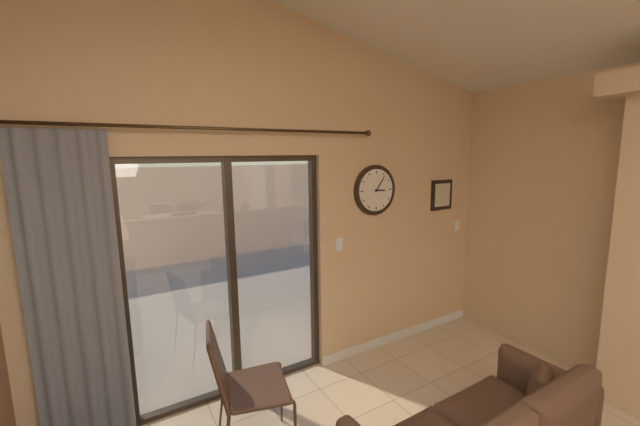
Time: **3:06**
